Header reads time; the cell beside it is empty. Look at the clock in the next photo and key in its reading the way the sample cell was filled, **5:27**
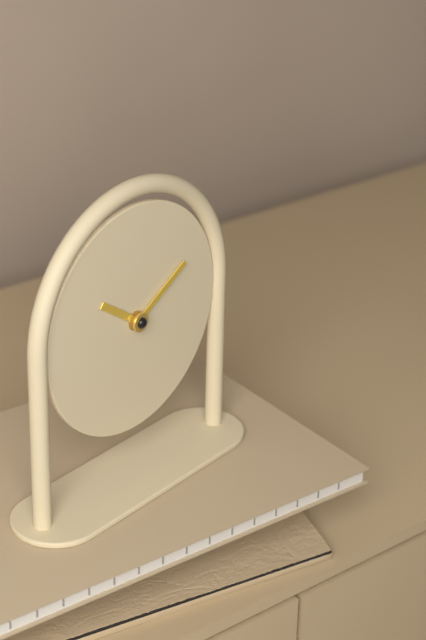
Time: **10:10**
